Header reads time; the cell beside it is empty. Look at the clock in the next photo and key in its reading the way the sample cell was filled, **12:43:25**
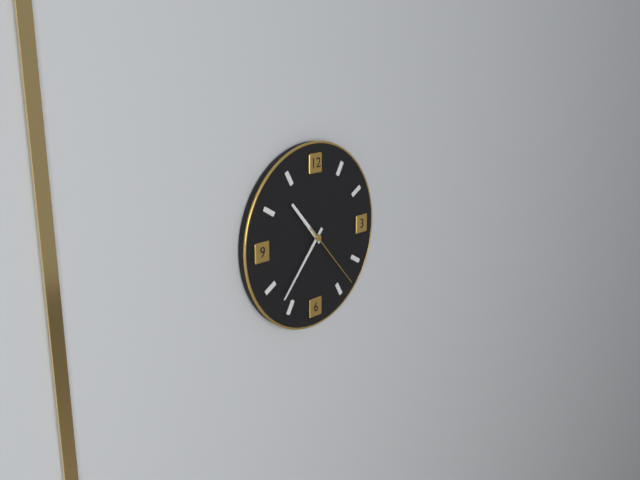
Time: **10:37:23**
